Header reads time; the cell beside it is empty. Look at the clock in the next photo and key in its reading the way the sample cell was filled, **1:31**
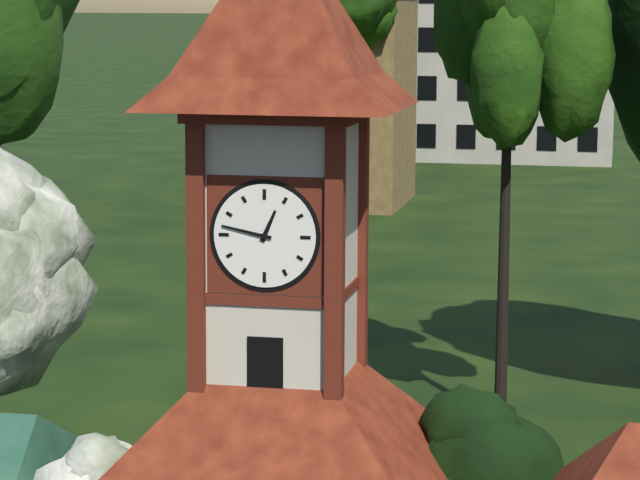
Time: **12:47**
